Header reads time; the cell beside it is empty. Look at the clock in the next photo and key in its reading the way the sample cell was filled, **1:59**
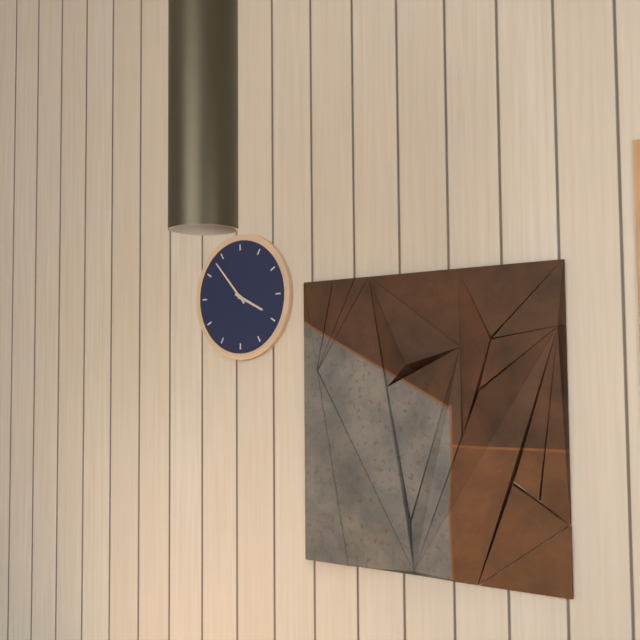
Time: **3:53**
